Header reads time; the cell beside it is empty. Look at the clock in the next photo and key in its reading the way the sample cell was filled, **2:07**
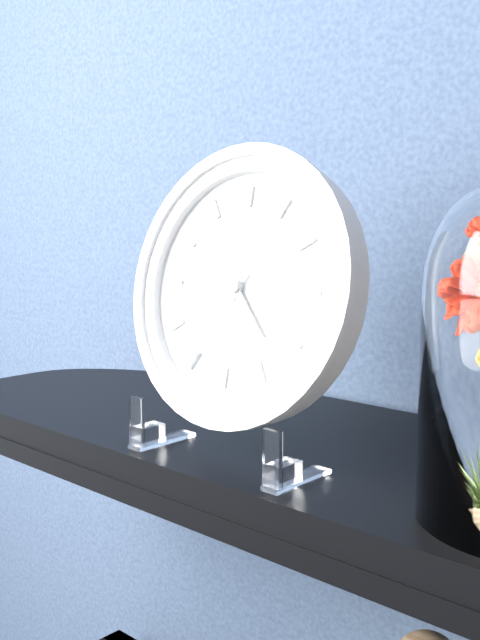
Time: **4:35**
